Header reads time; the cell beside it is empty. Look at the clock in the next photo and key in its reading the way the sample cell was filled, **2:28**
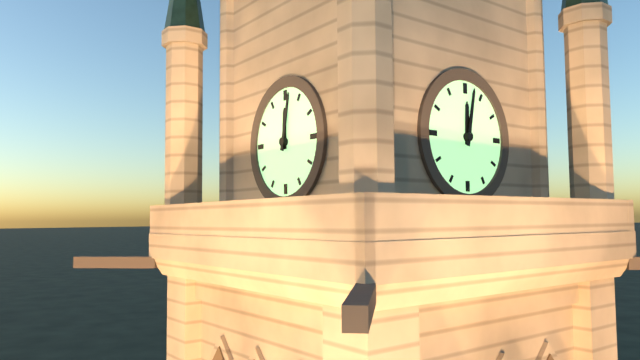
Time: **12:02**
